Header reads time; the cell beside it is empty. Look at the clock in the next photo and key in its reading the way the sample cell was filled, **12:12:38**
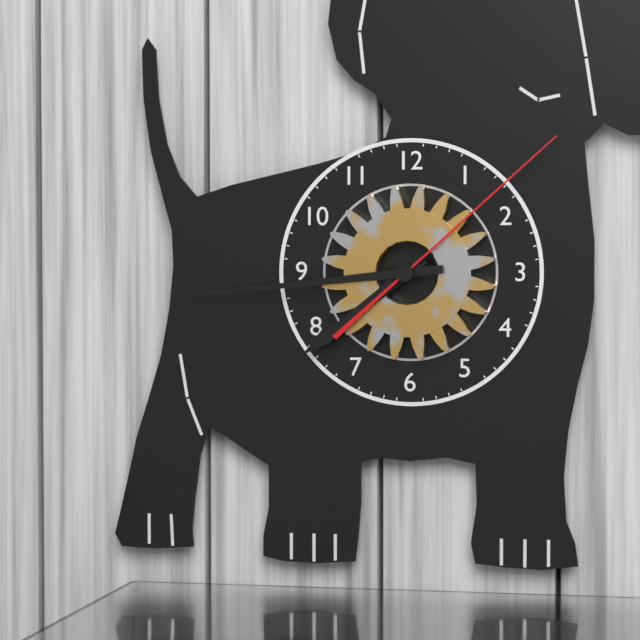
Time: **7:44:08**
